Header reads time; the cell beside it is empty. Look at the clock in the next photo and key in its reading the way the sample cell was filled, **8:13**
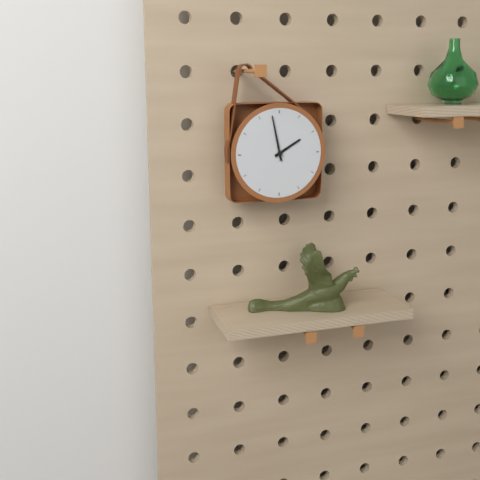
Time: **1:58**
